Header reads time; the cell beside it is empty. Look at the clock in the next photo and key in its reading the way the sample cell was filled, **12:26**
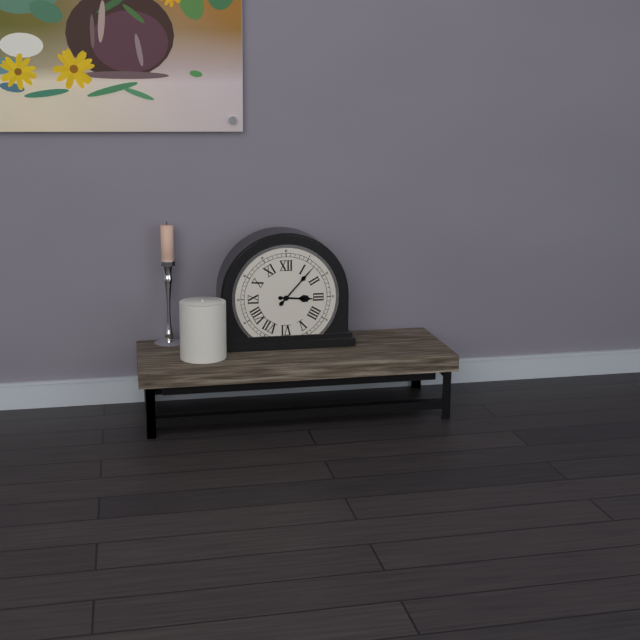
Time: **3:07**
